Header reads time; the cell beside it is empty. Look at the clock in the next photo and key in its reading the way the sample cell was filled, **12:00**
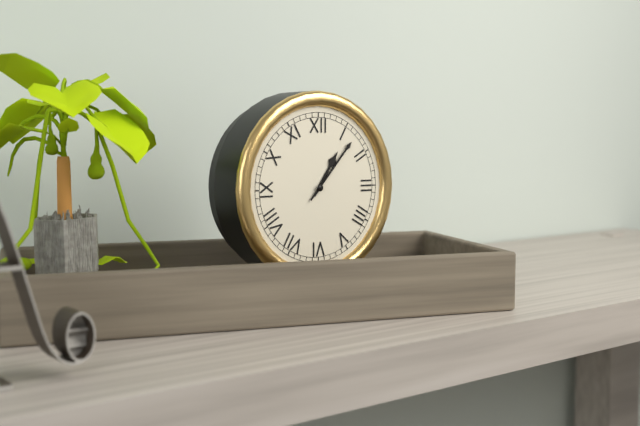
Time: **1:07**
